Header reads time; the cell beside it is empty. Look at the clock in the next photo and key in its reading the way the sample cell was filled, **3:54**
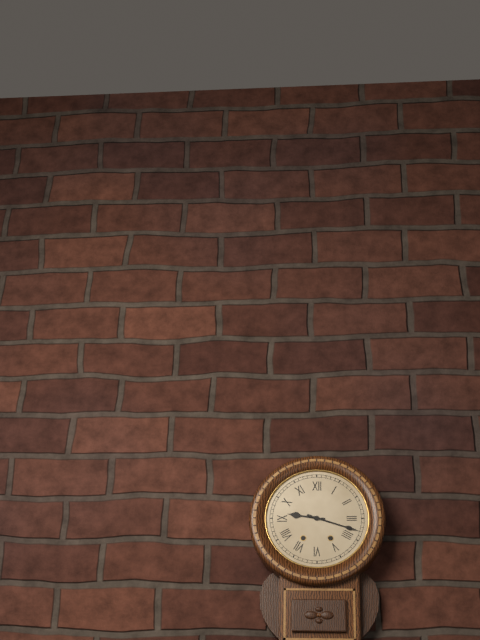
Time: **9:18**
